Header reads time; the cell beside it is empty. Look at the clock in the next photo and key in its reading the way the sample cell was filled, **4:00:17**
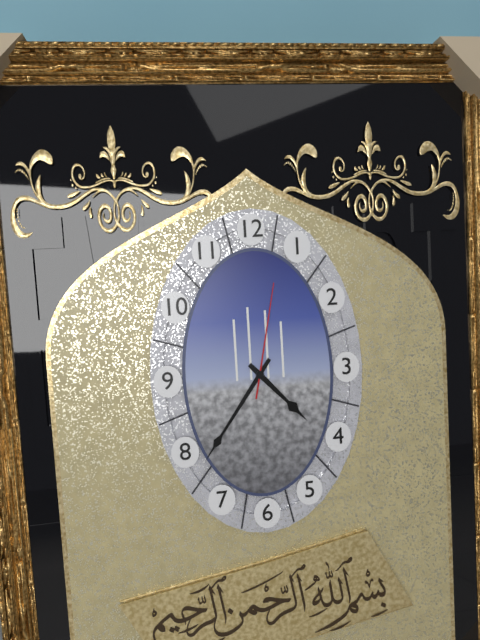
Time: **4:36:02**
